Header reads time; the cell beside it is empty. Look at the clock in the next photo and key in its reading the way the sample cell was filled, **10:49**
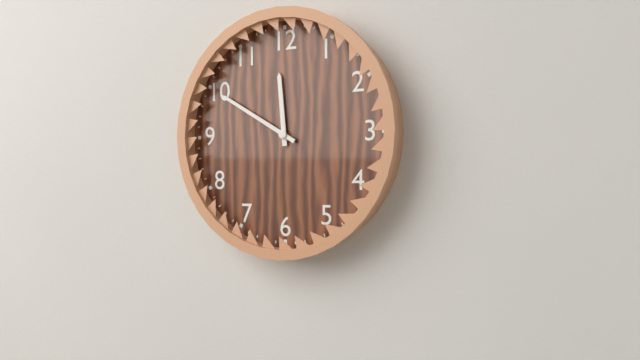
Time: **11:50**
